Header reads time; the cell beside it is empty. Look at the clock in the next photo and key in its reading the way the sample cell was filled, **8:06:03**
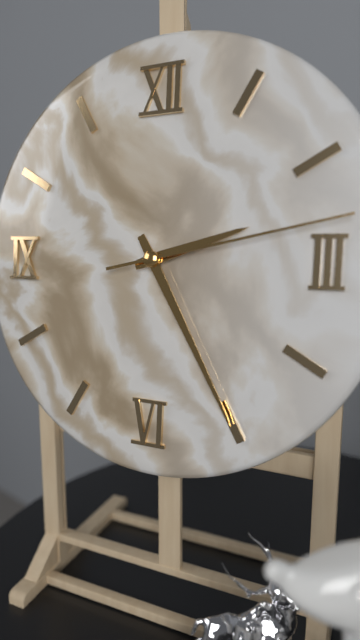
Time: **2:25:13**
